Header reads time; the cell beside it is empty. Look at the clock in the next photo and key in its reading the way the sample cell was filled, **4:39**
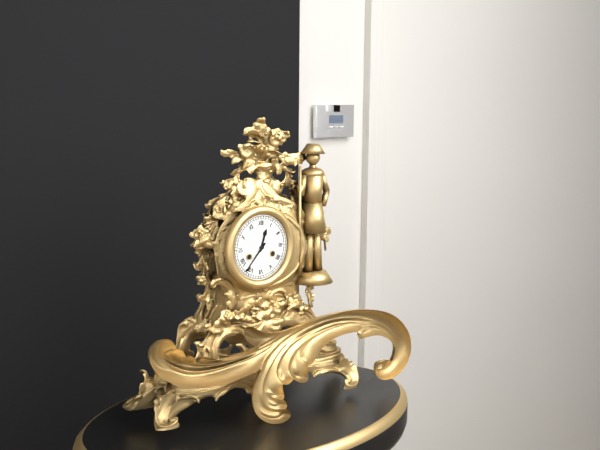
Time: **12:37**
